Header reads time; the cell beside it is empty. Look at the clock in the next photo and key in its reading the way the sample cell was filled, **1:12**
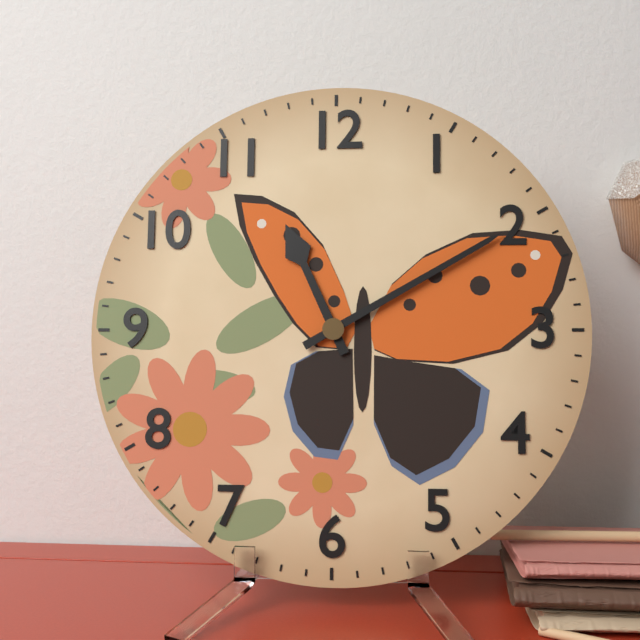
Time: **11:10**
